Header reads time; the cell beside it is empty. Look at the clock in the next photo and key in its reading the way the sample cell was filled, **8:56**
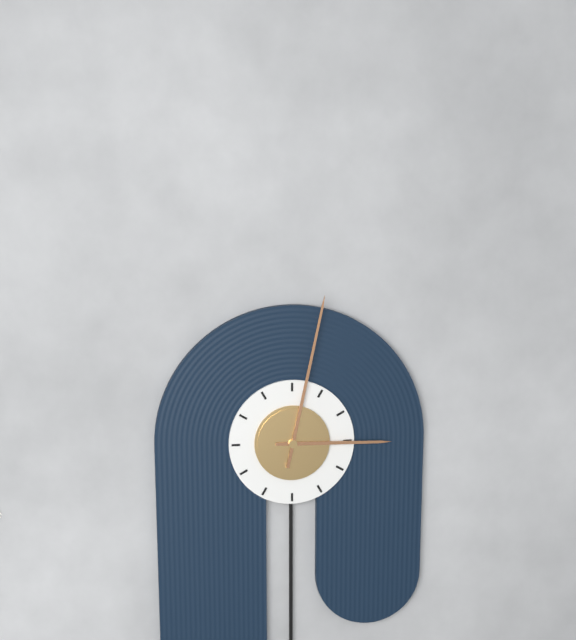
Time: **3:02**
